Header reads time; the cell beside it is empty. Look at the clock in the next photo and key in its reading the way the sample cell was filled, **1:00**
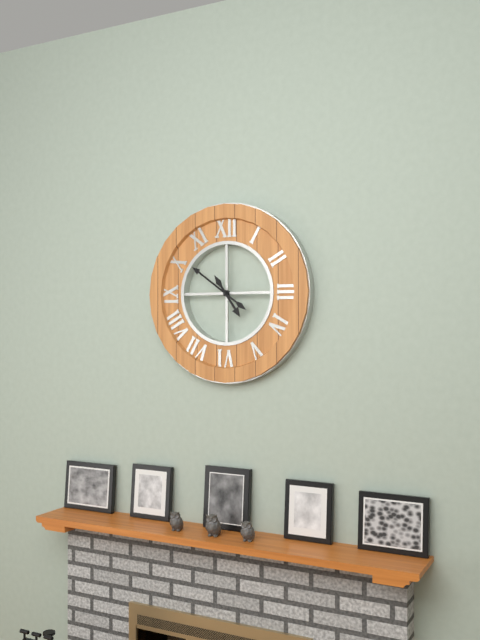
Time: **4:51**
